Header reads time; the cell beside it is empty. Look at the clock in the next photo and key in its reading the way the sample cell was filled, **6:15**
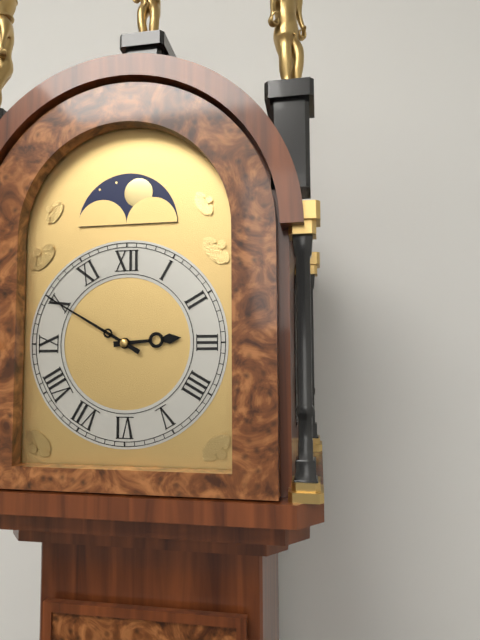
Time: **2:50**
